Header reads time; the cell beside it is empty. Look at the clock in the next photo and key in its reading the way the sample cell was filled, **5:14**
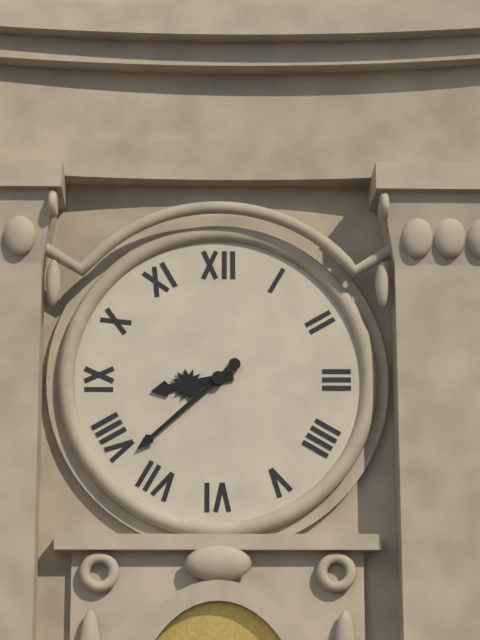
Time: **8:38**
